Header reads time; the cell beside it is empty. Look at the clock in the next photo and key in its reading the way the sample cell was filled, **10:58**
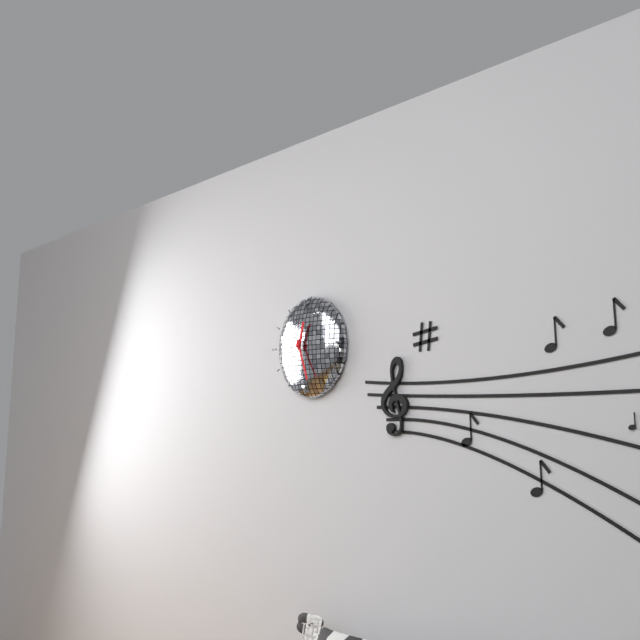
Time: **12:27**
